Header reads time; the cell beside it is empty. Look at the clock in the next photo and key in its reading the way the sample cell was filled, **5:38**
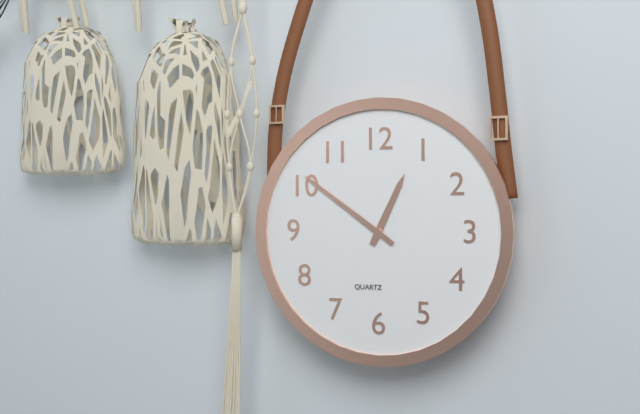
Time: **12:51**
